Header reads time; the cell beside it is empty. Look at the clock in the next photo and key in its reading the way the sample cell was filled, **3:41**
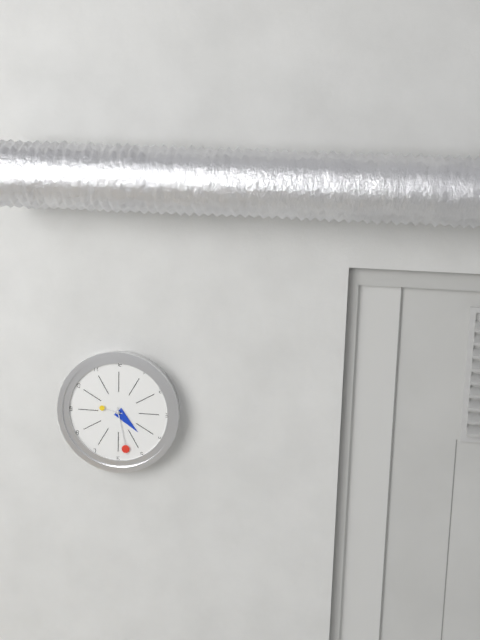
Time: **4:28**
